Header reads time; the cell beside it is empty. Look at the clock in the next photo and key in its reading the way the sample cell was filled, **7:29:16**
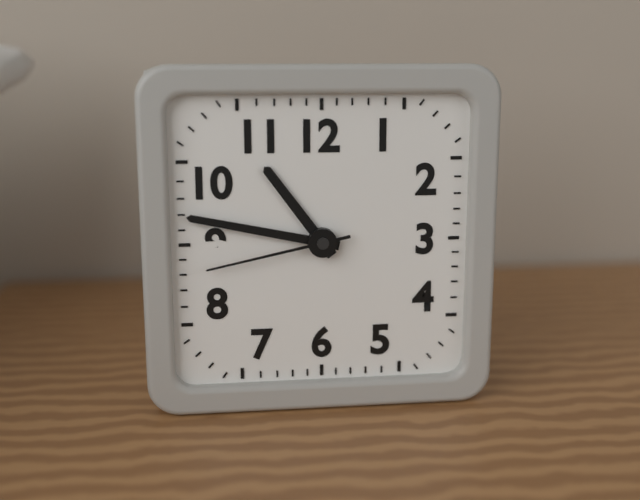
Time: **10:47:43**
